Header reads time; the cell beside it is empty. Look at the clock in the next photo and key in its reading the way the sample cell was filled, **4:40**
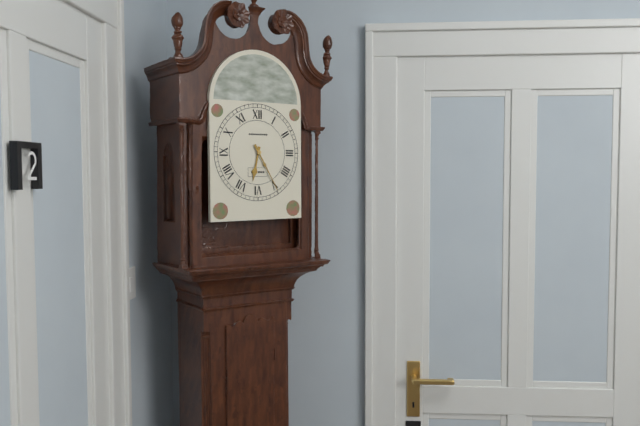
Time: **6:25**
